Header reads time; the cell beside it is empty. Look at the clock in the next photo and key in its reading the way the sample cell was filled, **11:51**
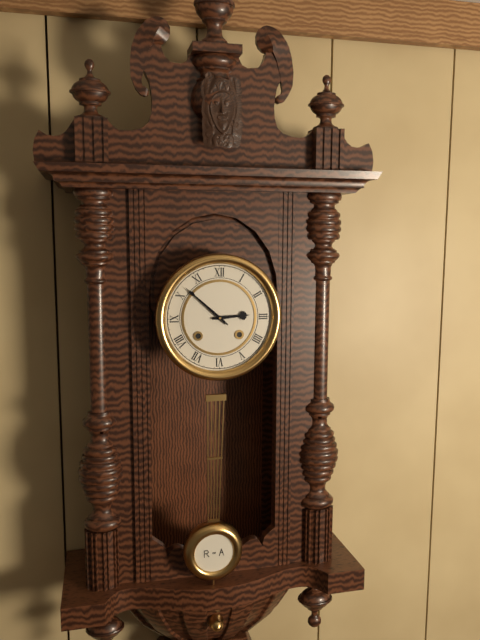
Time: **2:52**
